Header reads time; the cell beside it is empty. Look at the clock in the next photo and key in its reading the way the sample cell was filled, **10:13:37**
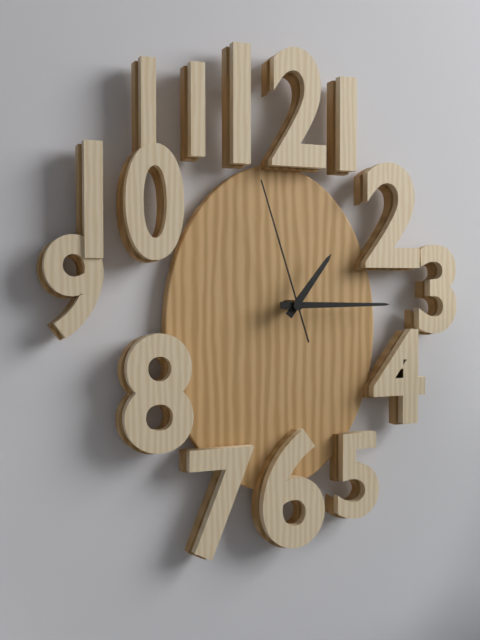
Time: **1:15:57**
